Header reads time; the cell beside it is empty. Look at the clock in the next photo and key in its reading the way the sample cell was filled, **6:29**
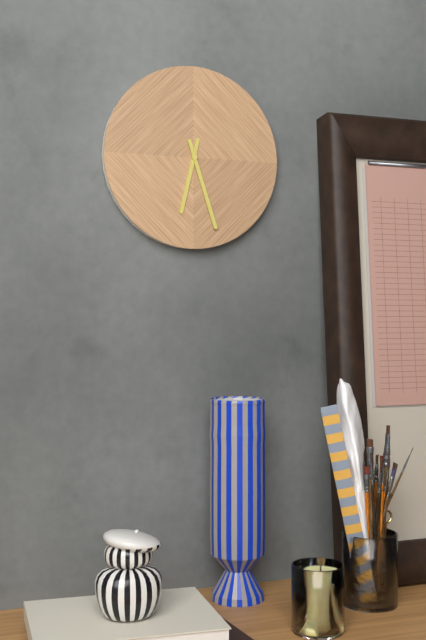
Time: **6:27**
